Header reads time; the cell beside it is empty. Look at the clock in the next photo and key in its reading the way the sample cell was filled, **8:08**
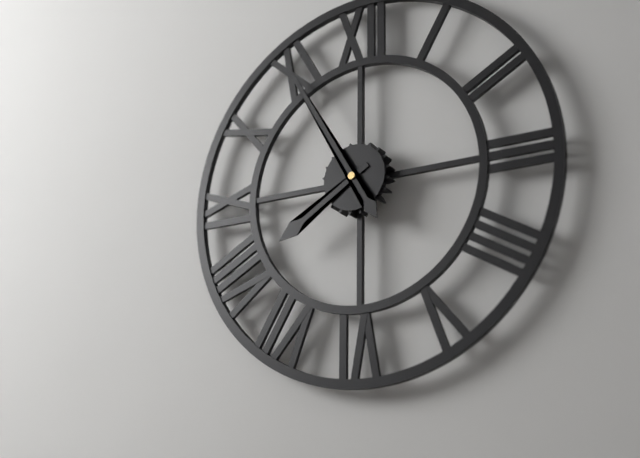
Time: **7:55**
